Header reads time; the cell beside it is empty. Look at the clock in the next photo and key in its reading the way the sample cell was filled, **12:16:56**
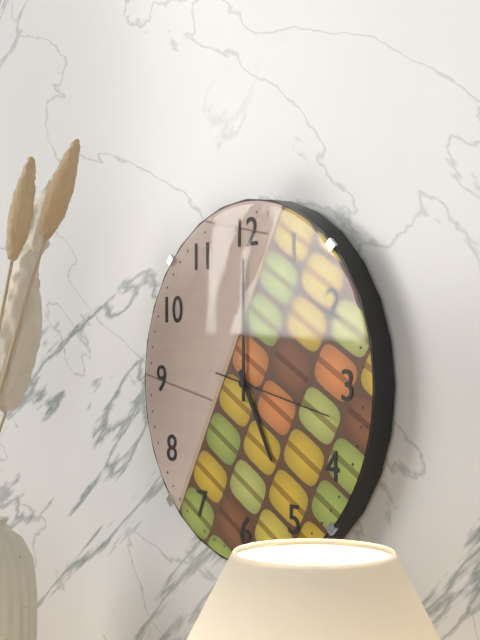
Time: **5:00:17**
